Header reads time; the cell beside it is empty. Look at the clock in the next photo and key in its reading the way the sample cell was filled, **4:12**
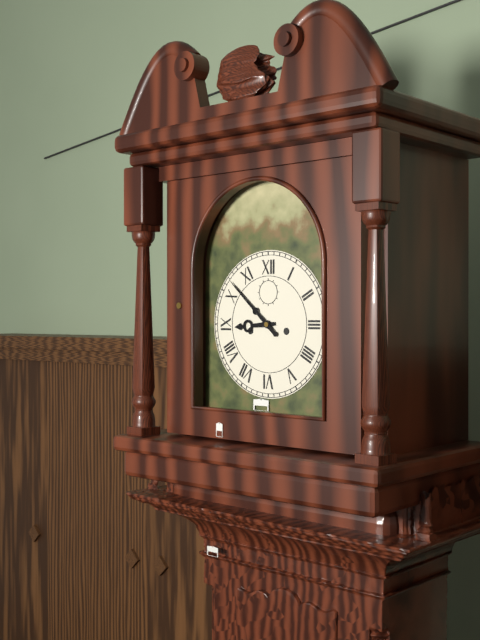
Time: **8:52**
